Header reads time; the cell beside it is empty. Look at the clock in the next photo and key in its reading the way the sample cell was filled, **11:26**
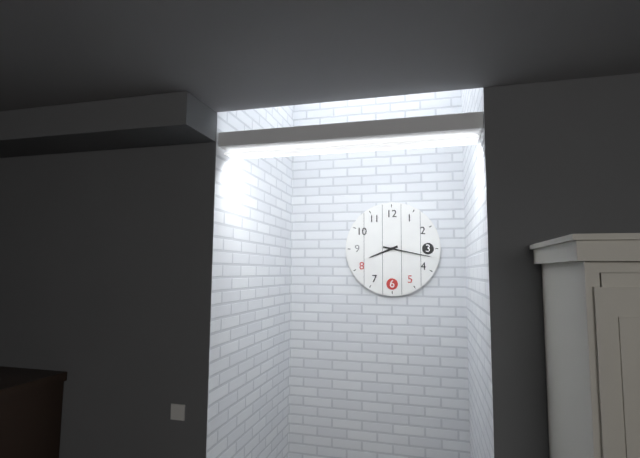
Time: **8:17**
